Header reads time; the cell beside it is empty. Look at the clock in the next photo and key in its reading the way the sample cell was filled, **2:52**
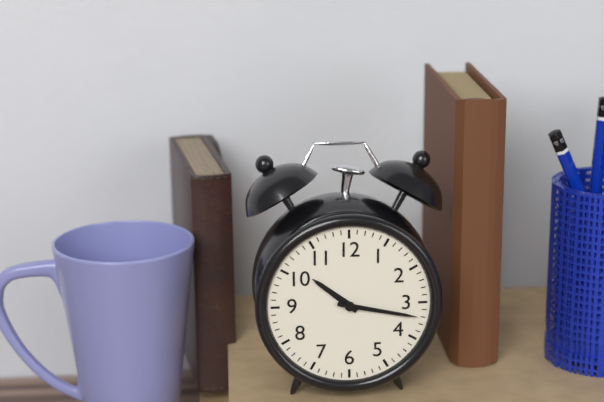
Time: **10:17**
